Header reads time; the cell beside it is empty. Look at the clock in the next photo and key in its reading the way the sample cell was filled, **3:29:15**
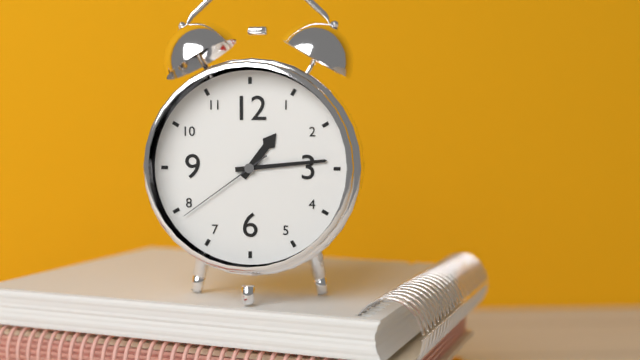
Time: **1:14:39**
